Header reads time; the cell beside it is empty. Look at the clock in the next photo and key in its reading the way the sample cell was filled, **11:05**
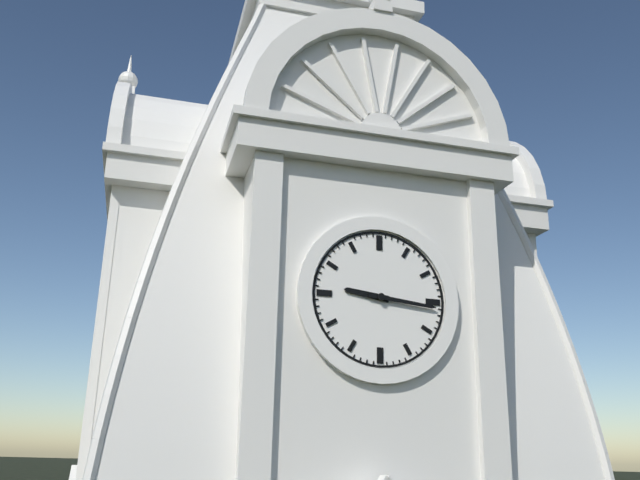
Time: **9:16**
